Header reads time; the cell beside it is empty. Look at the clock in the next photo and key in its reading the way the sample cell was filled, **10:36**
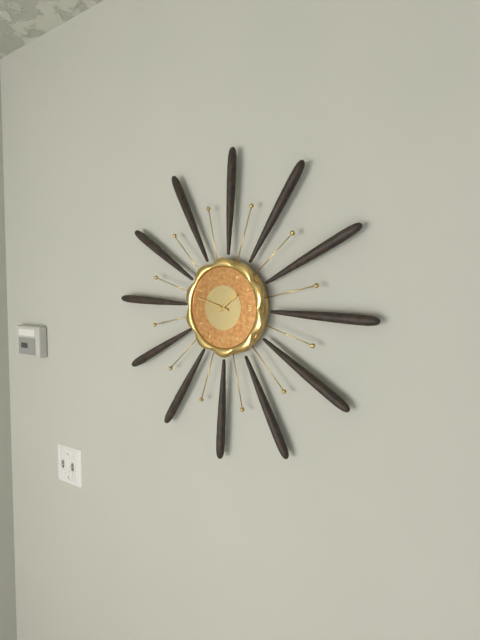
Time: **1:48**
